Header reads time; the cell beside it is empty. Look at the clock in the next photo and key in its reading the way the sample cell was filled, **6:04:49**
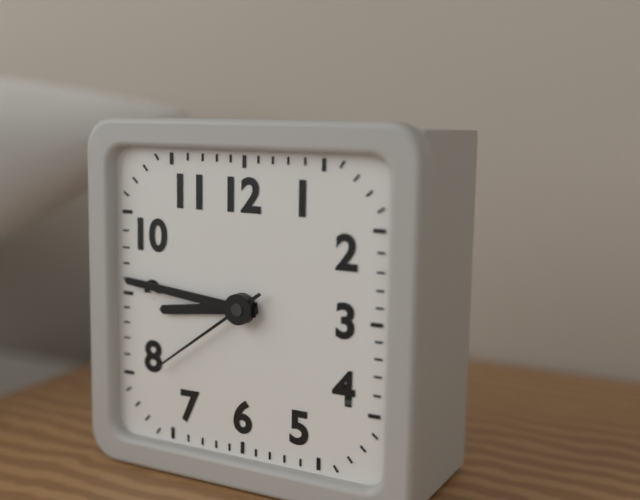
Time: **8:46:39**
